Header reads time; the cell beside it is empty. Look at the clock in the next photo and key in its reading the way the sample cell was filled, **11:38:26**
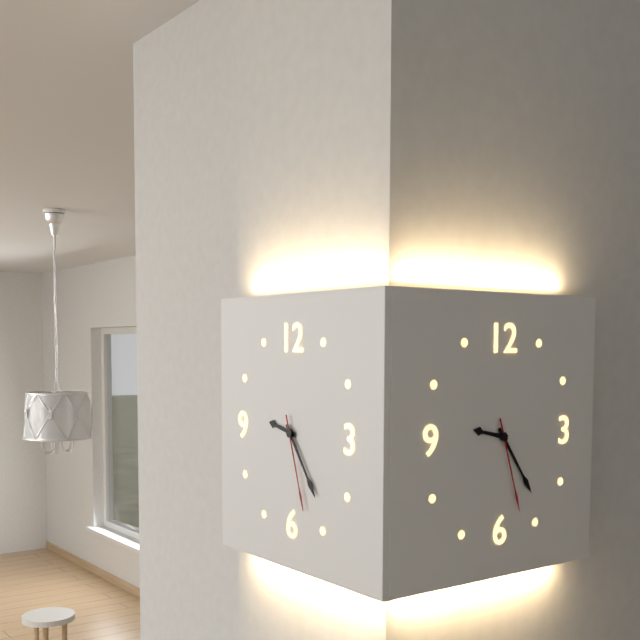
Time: **9:24:27**
